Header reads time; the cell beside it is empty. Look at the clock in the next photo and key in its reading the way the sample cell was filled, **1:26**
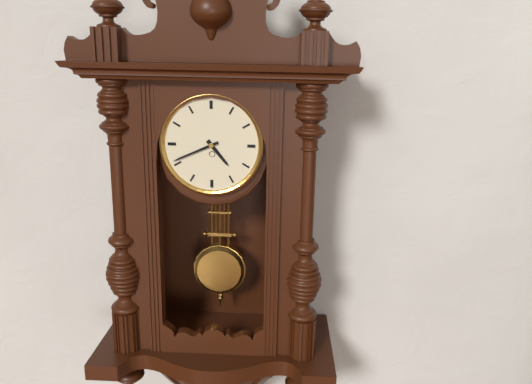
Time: **4:41**
